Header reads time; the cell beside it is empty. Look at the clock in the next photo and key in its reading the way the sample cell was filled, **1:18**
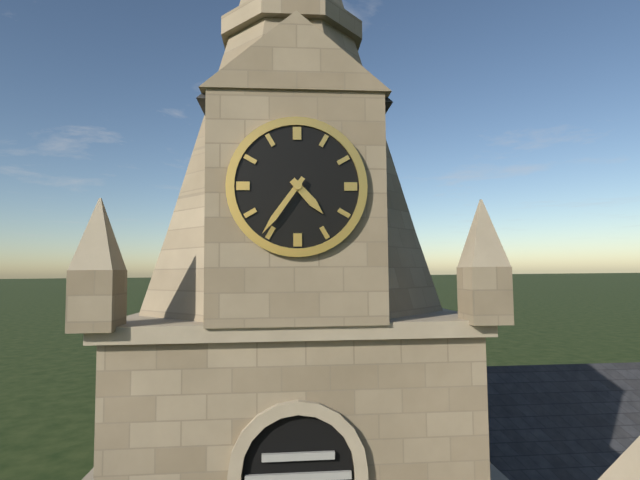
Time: **4:36**
